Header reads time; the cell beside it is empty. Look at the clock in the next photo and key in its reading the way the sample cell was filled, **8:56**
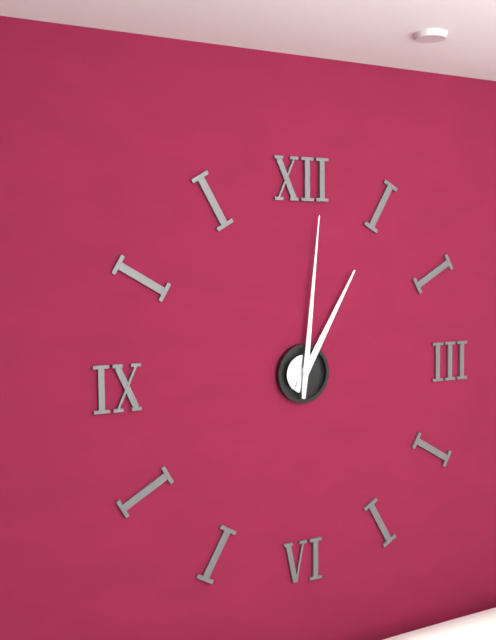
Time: **1:01**
